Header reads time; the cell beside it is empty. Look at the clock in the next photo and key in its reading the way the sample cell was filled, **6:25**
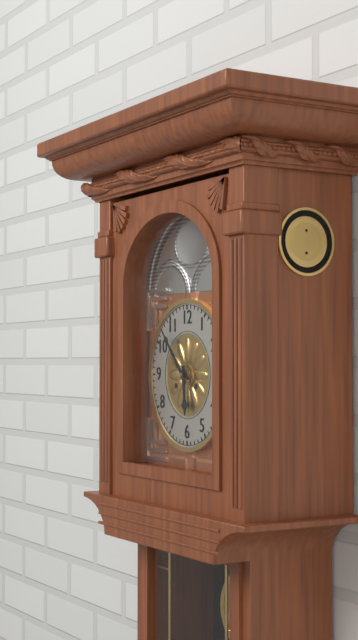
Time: **5:53**
